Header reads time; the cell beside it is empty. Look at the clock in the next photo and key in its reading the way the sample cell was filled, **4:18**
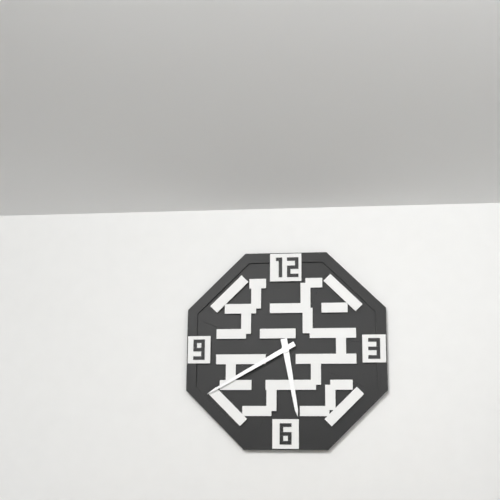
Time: **5:40**
